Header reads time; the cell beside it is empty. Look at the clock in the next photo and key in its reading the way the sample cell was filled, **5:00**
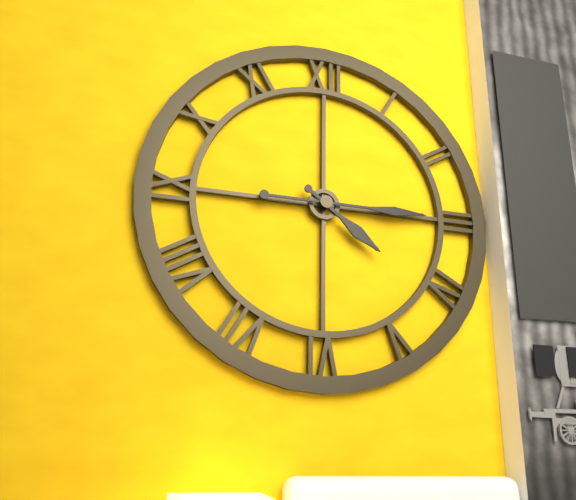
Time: **4:15**
